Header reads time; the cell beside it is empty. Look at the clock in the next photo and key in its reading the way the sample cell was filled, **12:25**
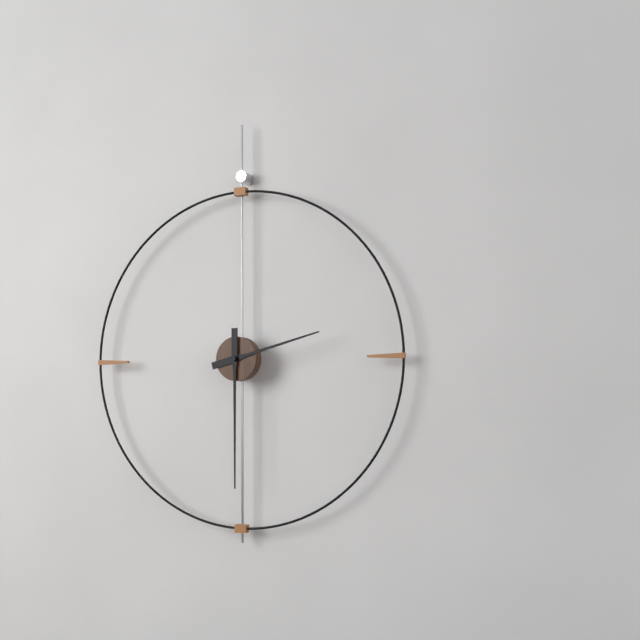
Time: **2:30**
